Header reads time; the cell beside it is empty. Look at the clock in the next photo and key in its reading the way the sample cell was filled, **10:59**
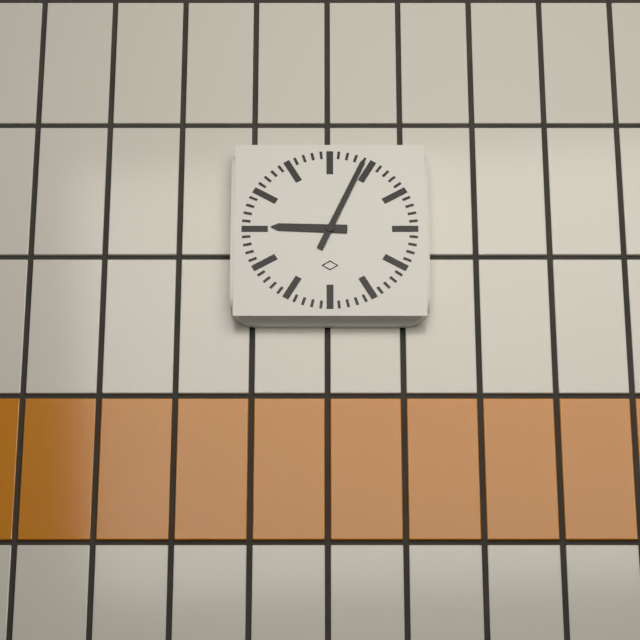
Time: **9:04**
